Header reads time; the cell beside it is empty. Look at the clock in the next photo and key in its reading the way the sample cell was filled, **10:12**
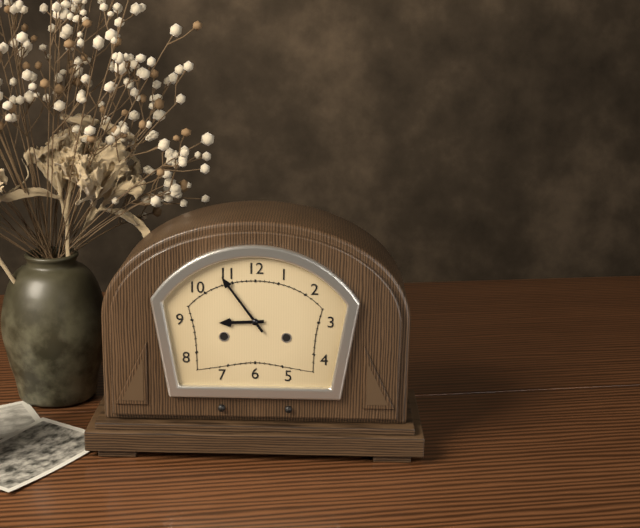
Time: **8:54**
